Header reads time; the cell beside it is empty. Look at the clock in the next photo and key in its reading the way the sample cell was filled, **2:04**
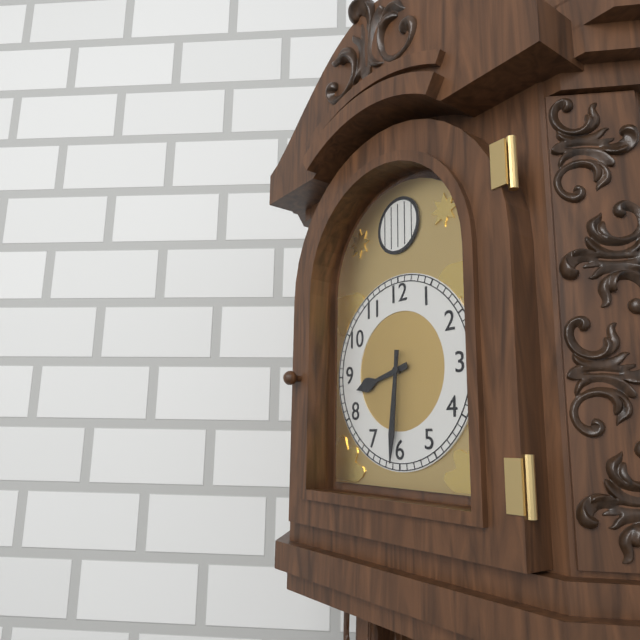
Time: **8:31**
